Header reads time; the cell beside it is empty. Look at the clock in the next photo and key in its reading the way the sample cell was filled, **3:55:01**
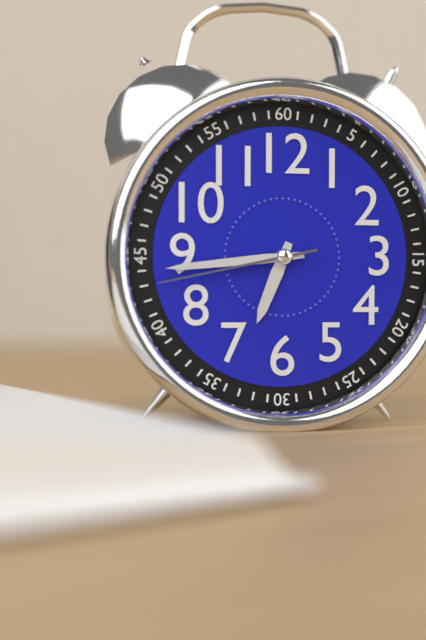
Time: **6:44:43**
